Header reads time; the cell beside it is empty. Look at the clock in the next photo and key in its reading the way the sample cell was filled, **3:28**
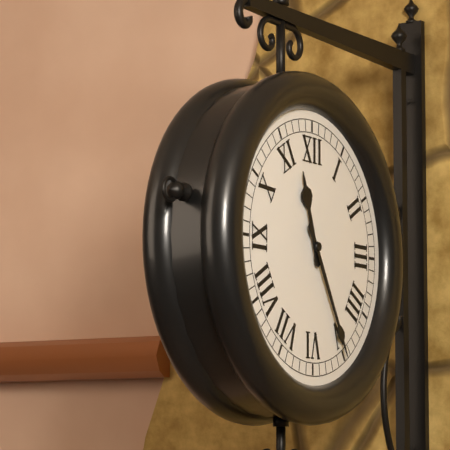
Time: **11:25**
